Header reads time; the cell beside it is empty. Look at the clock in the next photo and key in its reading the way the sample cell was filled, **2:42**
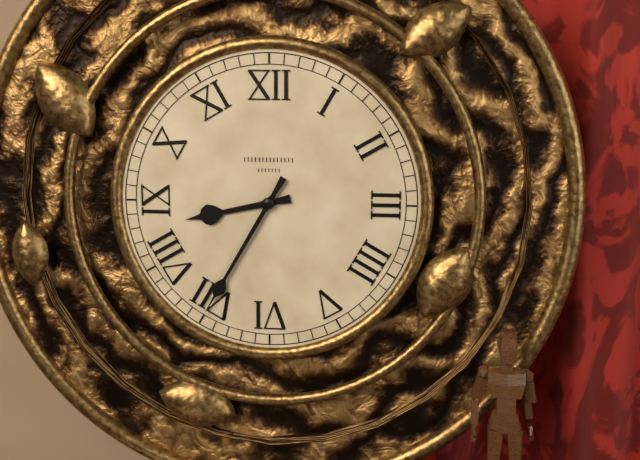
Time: **8:35**
